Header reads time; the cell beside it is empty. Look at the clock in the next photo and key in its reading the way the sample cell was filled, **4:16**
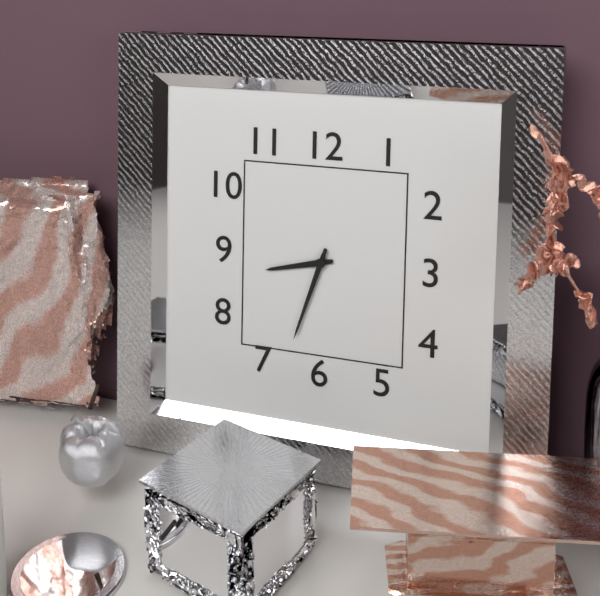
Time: **8:33**
